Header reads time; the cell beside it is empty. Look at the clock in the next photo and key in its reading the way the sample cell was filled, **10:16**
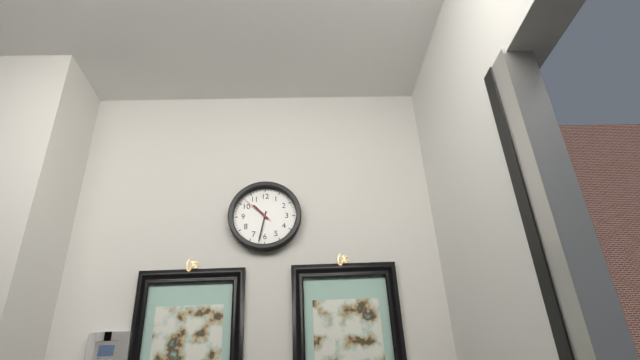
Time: **10:32**
